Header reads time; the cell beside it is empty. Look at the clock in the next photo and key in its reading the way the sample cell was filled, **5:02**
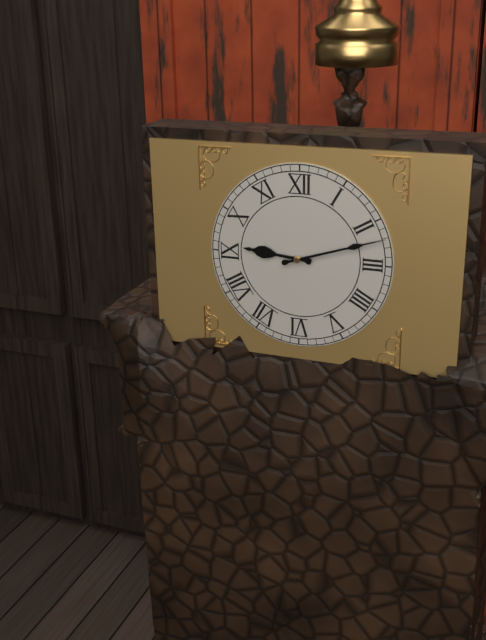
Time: **9:12**
